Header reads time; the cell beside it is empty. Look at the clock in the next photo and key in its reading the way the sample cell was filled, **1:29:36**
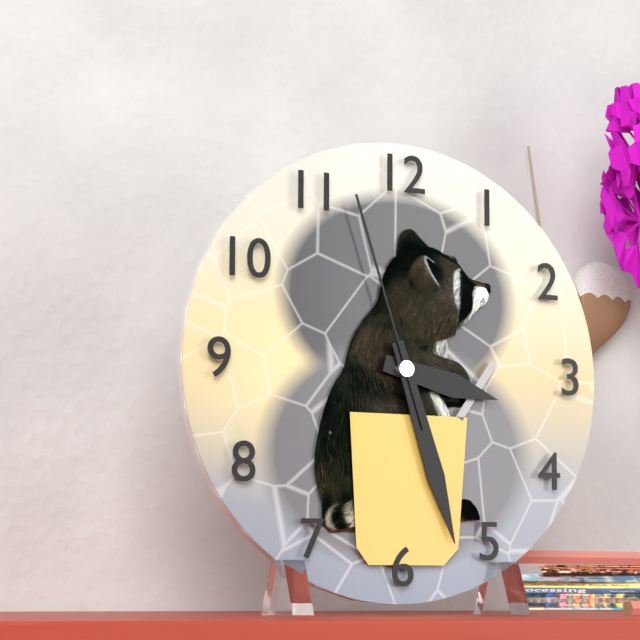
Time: **3:27:57**
